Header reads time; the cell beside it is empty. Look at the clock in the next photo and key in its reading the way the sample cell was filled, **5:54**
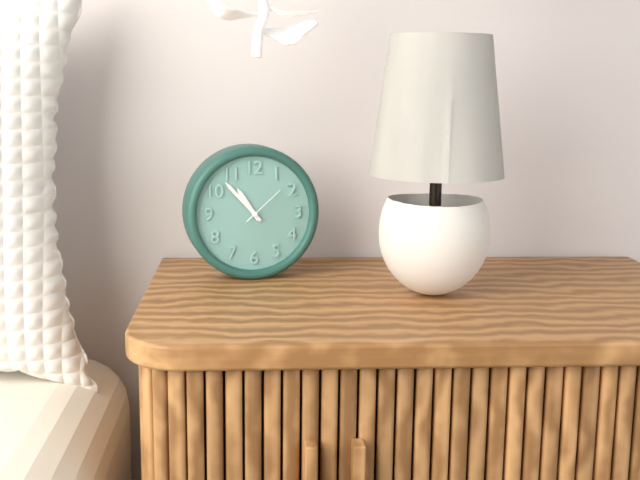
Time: **10:53**
